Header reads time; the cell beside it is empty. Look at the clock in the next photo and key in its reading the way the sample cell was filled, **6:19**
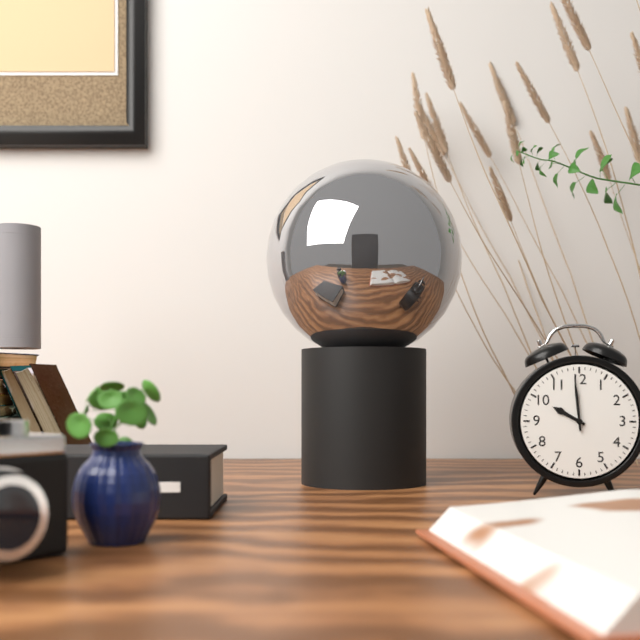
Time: **9:59**
